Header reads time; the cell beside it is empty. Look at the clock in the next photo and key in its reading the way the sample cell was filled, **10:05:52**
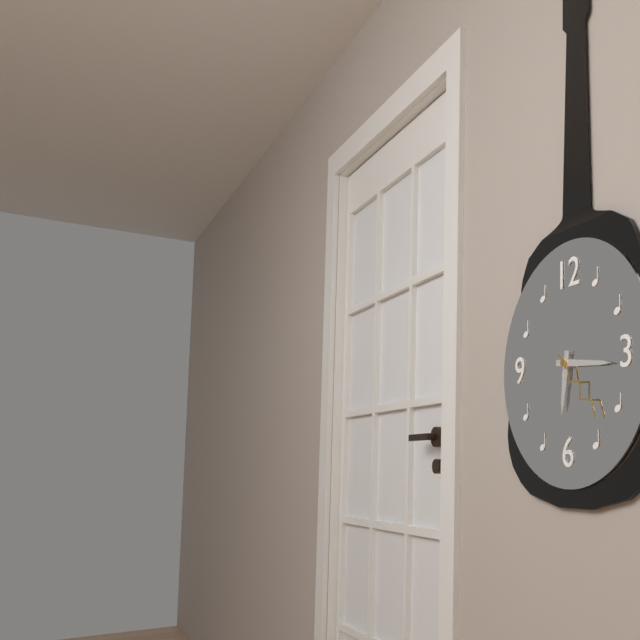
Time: **6:16:23**
